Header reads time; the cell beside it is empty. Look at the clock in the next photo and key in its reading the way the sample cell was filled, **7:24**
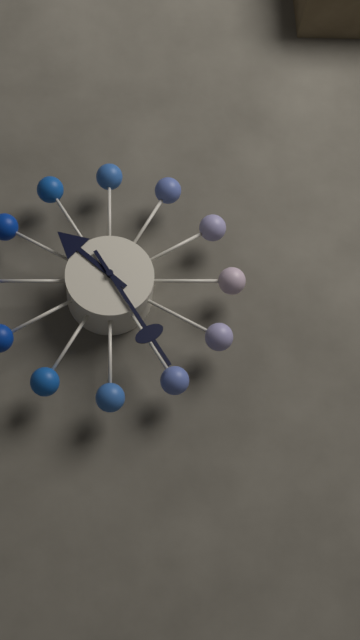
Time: **10:25**
